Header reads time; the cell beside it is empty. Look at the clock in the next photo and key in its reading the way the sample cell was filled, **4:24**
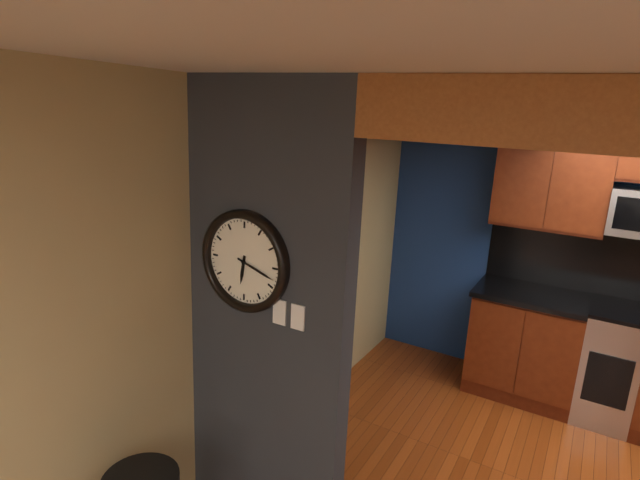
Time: **6:18**
